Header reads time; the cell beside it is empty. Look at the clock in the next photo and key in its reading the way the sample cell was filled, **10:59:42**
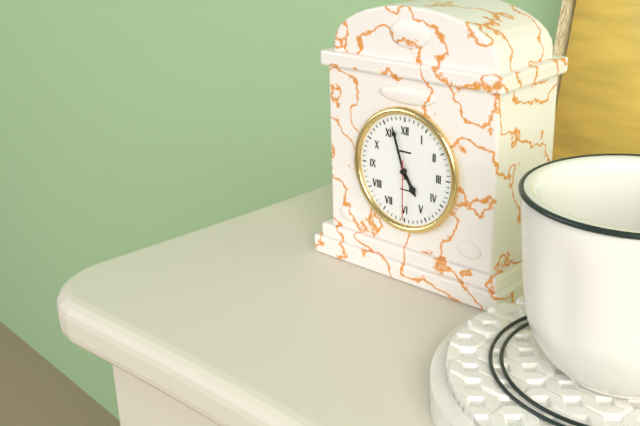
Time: **4:57:30**
